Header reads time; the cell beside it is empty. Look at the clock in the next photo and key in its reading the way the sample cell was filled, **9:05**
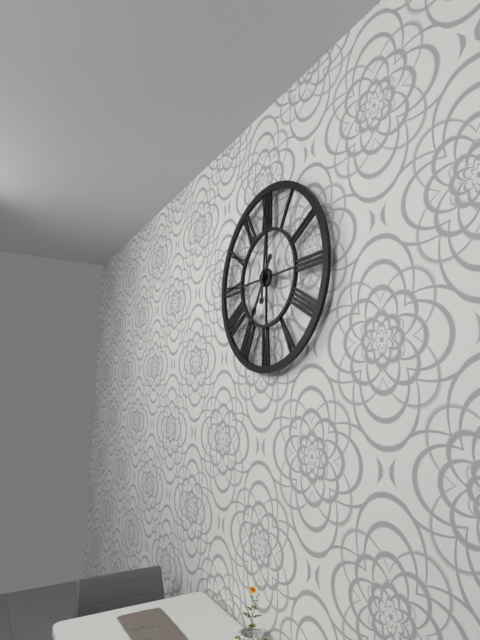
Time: **7:01**
